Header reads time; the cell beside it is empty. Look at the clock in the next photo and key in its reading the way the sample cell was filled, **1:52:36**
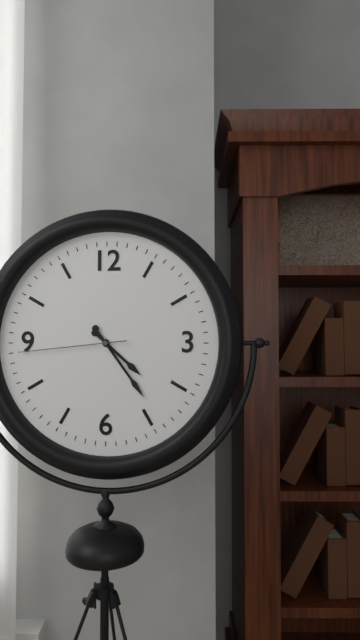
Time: **4:24:44**
